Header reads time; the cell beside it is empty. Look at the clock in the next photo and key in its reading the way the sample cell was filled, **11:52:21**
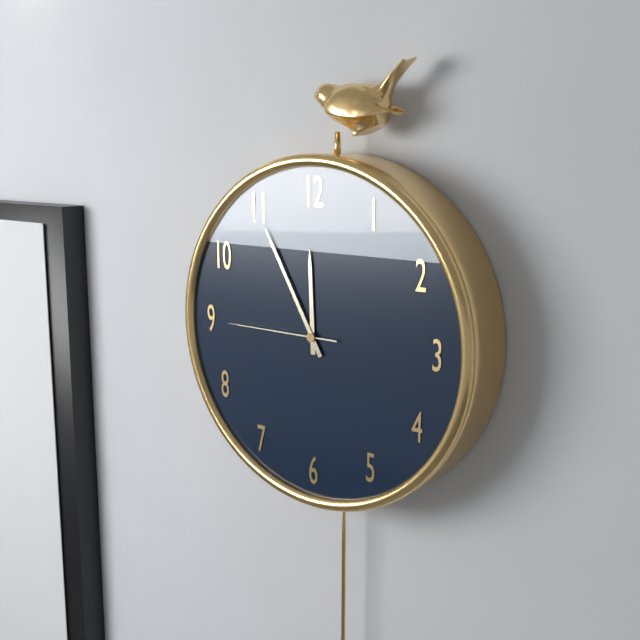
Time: **11:55:45**
